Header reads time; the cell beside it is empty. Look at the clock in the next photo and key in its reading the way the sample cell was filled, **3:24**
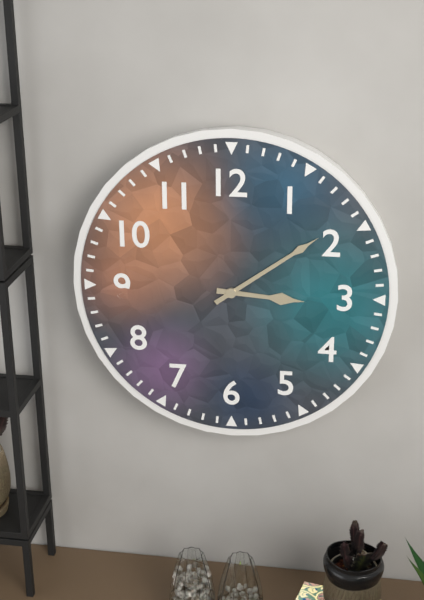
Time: **3:09**
